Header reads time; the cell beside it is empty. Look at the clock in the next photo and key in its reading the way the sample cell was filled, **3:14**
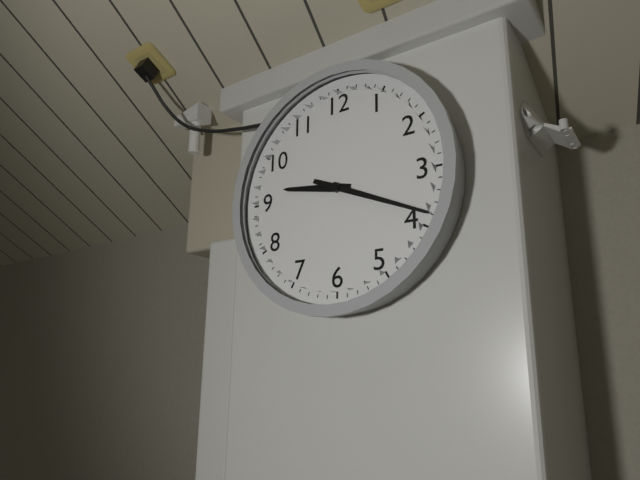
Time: **9:19**
